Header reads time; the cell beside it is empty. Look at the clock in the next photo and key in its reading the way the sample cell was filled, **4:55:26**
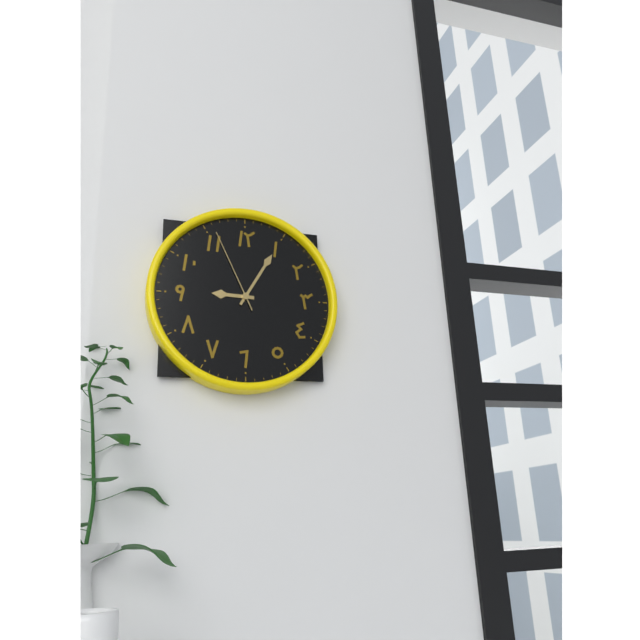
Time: **9:05:56**
